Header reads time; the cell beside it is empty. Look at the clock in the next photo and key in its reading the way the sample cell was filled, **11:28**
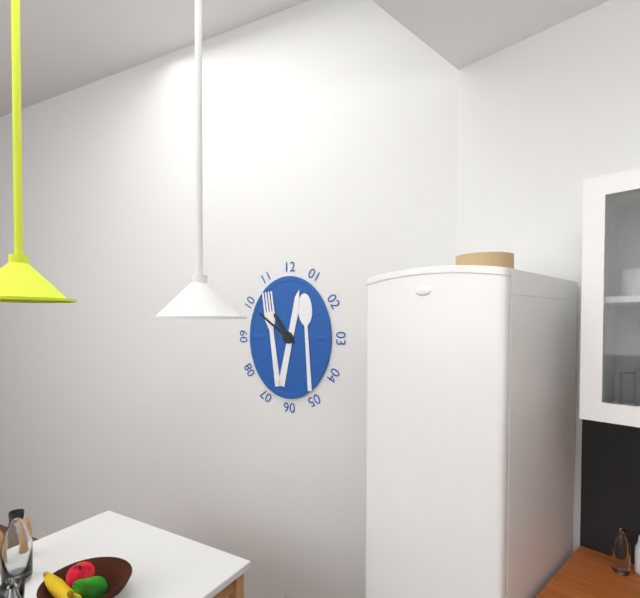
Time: **10:51**
